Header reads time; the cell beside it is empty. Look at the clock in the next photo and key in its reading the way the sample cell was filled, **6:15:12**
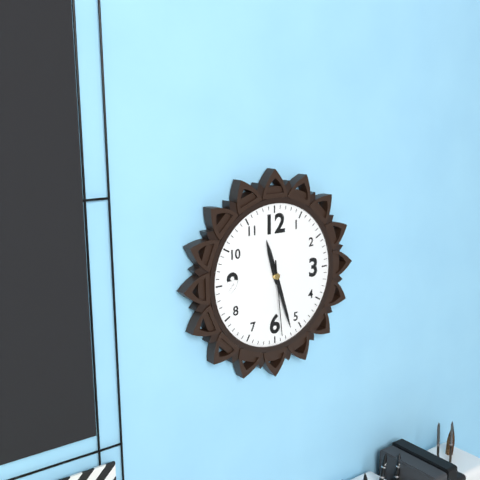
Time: **11:27:29**
